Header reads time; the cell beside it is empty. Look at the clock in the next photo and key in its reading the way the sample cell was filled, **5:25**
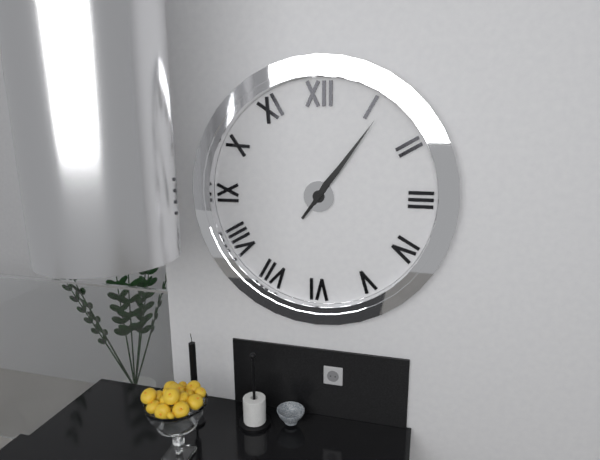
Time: **1:06**
